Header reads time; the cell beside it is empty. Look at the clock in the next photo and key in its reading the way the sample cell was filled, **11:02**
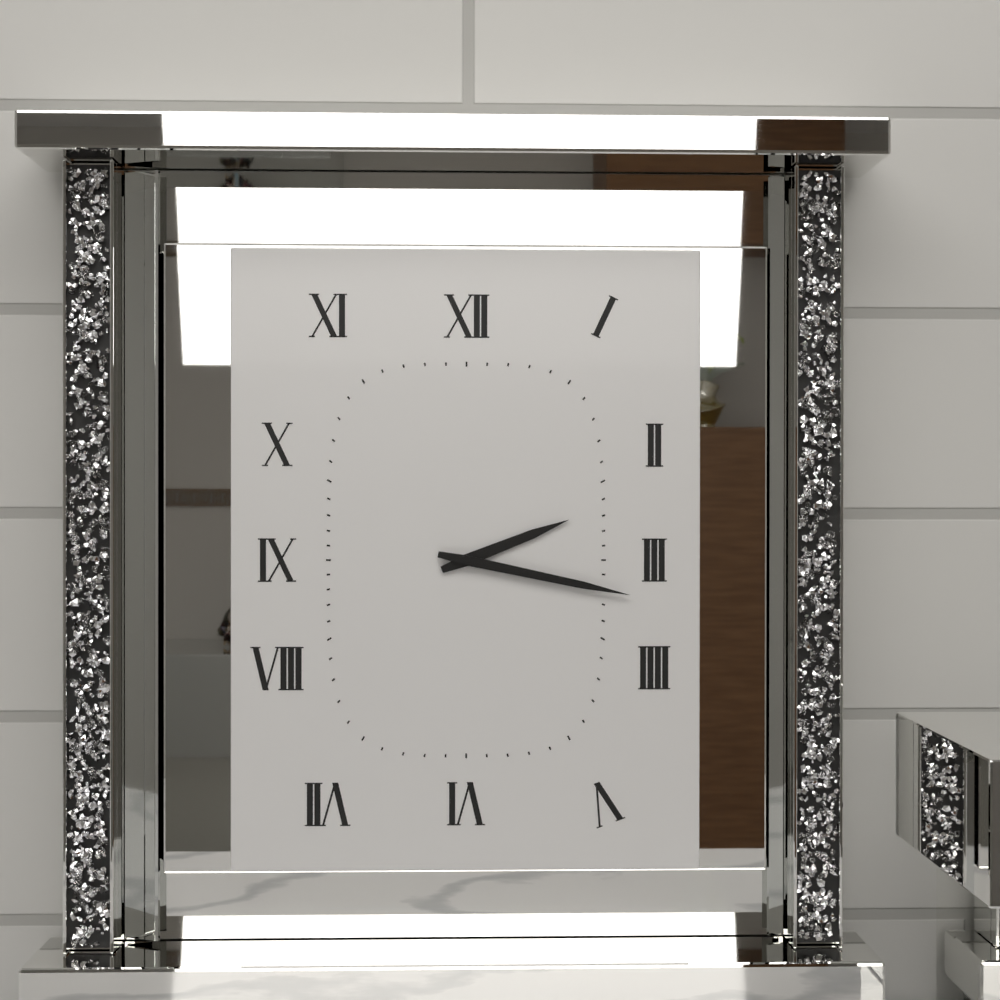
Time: **2:17**
